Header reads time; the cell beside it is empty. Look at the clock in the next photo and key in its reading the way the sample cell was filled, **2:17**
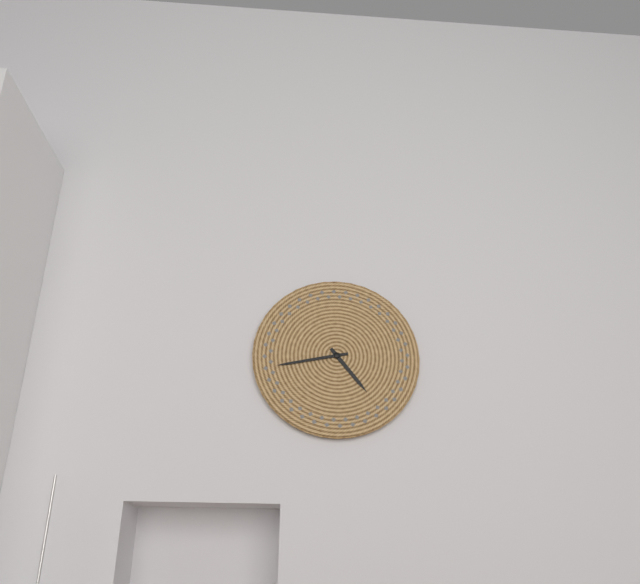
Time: **4:43**
